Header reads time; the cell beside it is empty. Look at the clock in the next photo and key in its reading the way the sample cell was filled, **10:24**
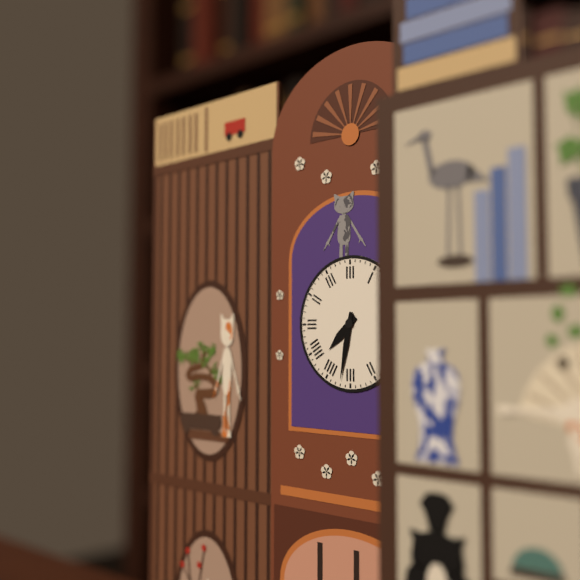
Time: **7:32**
